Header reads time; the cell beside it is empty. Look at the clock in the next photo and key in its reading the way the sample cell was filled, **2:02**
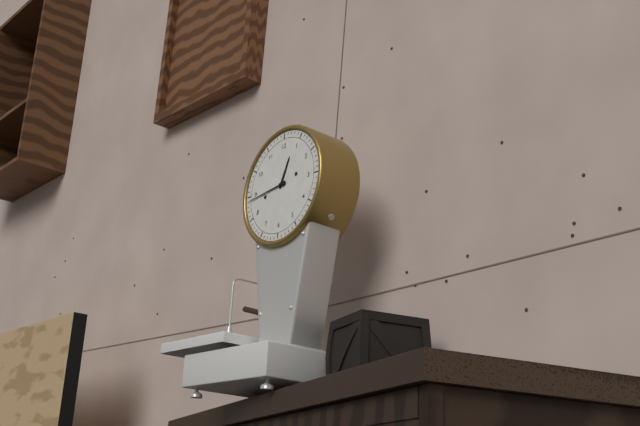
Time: **12:44**
